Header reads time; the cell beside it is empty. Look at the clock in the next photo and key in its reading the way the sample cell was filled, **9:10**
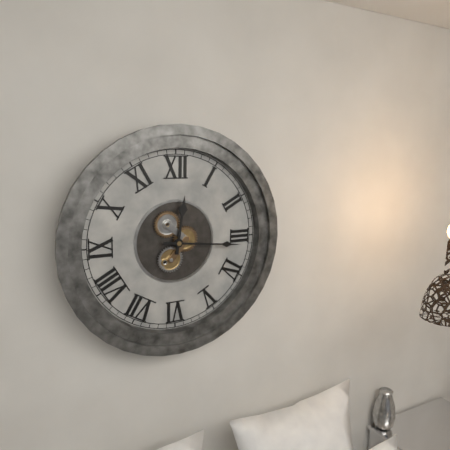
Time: **12:16**
